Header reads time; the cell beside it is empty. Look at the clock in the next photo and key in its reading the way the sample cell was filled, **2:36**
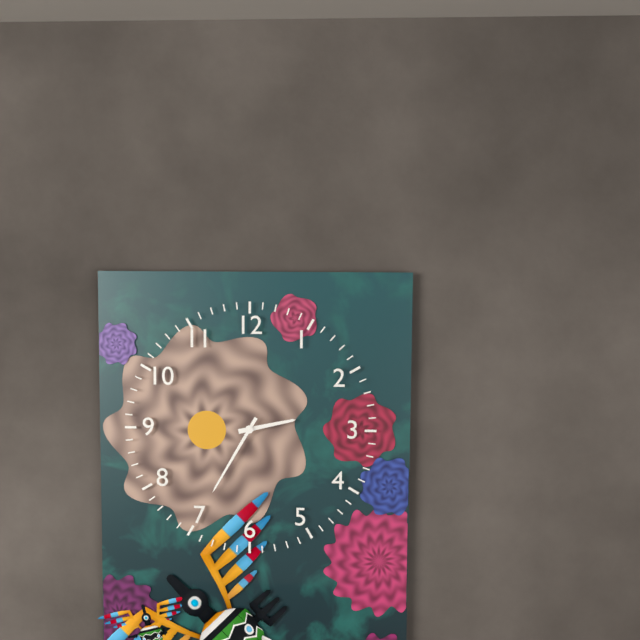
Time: **2:35**
